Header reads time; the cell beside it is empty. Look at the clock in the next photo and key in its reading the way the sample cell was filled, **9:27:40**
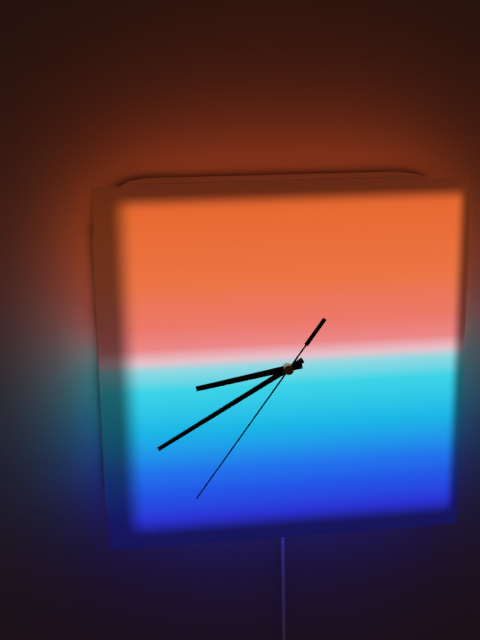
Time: **8:40:36**
